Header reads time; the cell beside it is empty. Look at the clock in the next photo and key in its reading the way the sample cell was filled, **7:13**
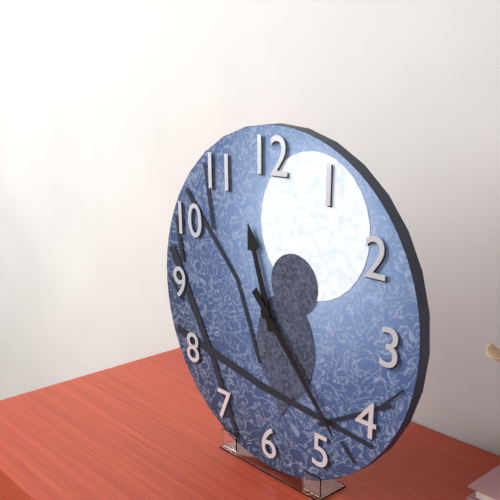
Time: **11:23**
